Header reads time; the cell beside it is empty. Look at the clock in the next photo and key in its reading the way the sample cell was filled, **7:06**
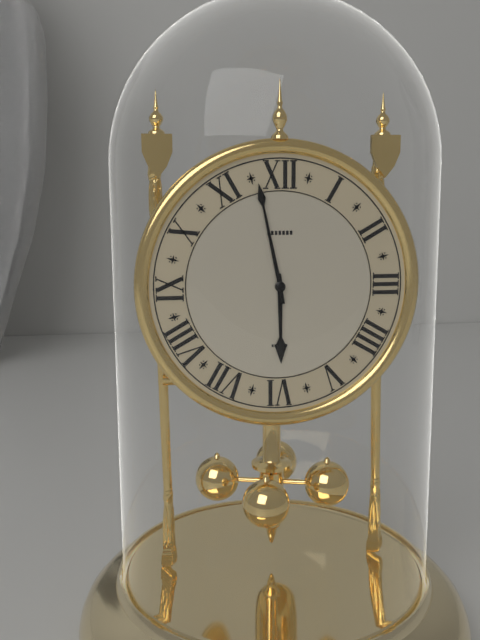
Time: **5:58**
